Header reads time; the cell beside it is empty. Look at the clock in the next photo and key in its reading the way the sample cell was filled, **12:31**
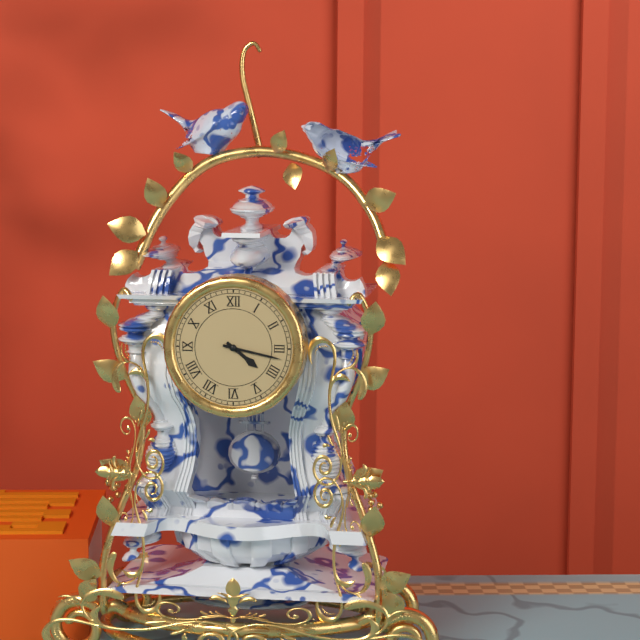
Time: **4:17**
